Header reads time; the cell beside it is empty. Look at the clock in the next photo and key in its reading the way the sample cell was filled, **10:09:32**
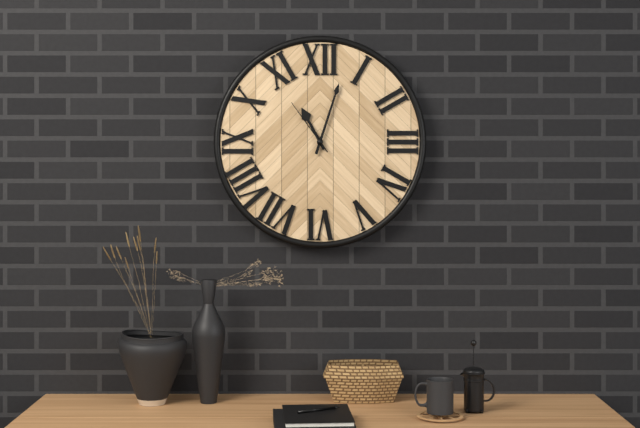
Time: **11:03:54**
